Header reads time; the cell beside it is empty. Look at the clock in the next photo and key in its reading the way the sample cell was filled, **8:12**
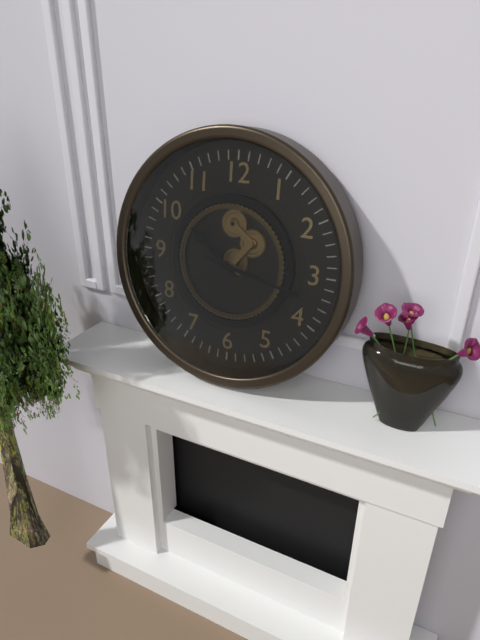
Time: **10:17**
